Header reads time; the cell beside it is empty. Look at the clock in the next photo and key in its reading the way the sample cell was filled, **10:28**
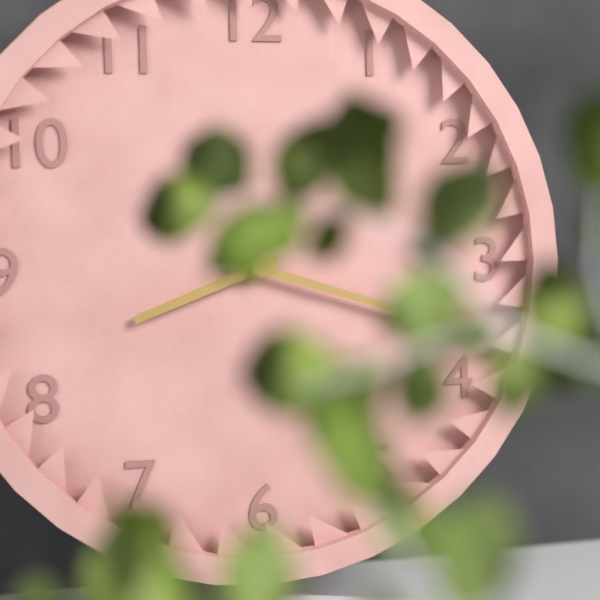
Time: **8:18**
